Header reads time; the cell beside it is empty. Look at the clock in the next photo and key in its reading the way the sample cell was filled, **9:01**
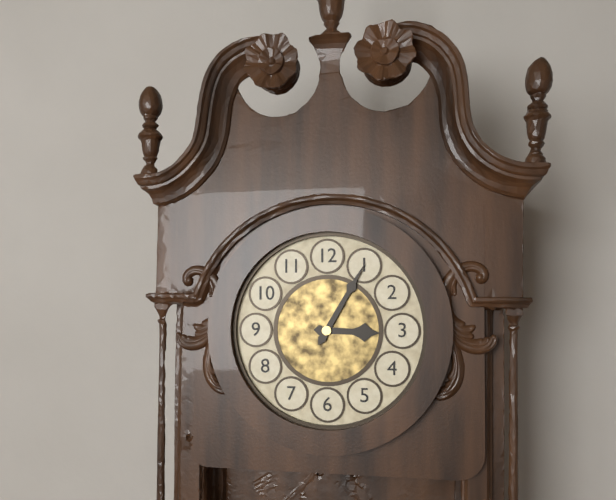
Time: **3:05**
